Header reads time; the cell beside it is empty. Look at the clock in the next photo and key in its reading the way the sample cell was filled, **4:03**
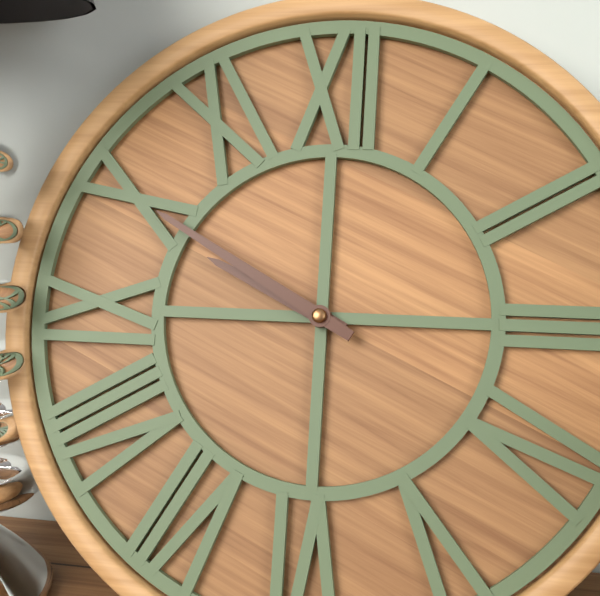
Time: **9:50**
